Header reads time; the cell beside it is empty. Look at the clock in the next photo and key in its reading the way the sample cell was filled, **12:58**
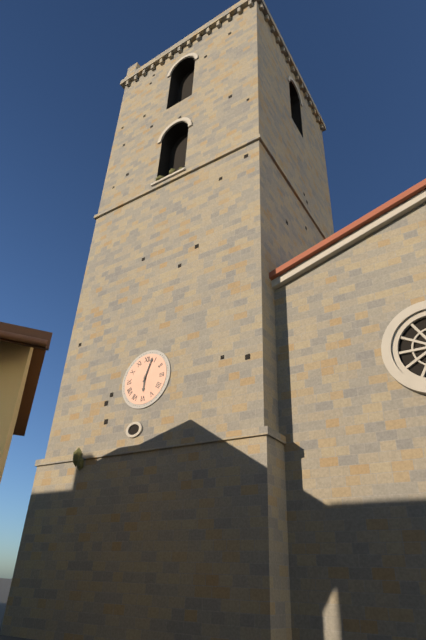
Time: **6:03**
